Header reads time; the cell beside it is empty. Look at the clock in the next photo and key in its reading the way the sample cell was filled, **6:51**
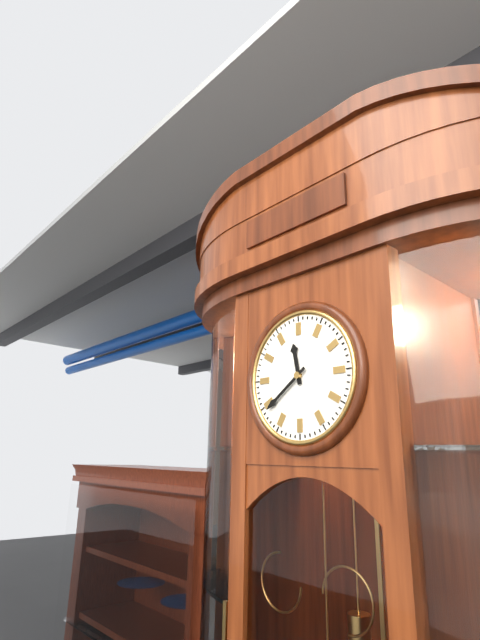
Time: **11:39**
